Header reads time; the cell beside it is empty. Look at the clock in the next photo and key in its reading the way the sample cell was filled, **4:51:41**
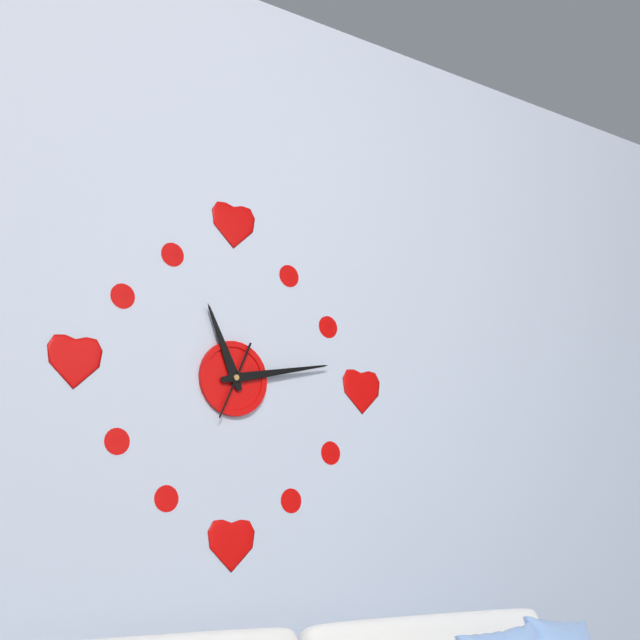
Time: **11:13:34**
